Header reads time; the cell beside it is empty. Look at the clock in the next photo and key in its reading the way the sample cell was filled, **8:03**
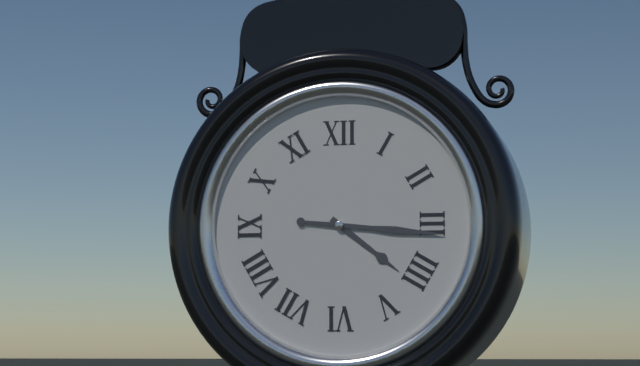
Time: **4:16**
